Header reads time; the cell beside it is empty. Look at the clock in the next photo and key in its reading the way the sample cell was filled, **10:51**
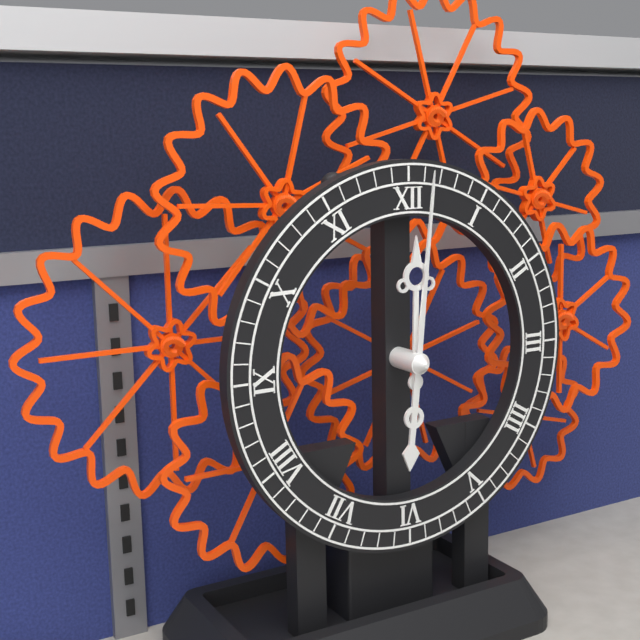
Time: **12:01**
